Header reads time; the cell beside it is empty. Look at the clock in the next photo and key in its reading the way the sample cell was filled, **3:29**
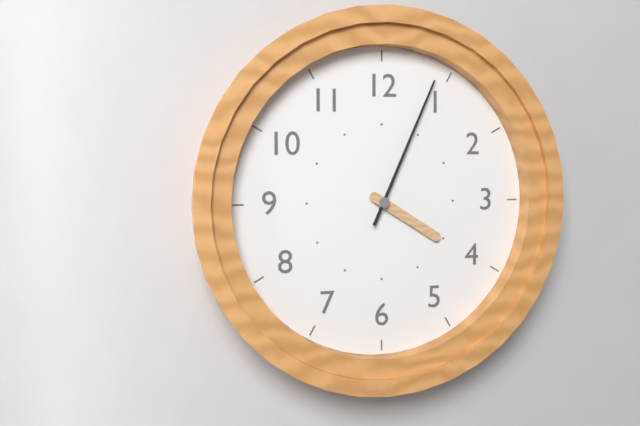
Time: **4:04**
